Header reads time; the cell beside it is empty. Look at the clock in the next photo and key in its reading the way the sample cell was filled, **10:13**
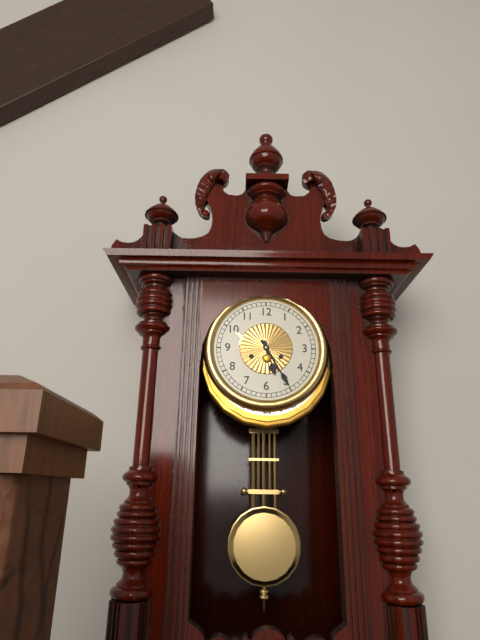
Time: **5:25**
